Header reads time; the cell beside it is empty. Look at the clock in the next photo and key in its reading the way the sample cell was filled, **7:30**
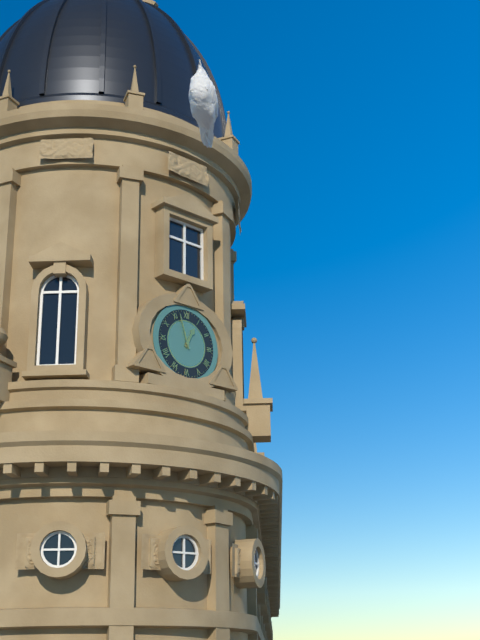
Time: **12:57**
